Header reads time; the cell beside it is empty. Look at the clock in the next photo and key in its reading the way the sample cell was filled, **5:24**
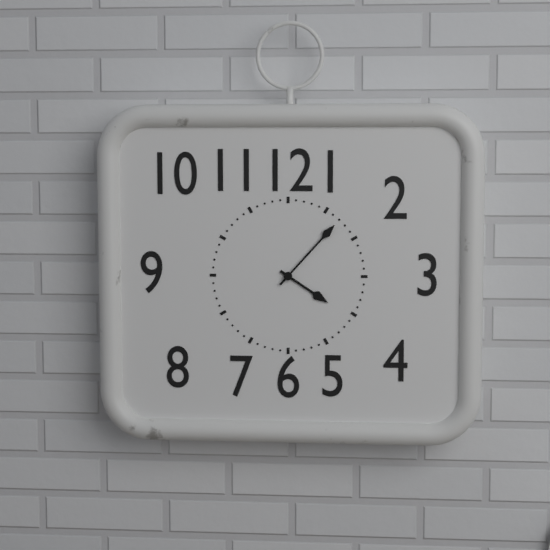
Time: **4:07**
